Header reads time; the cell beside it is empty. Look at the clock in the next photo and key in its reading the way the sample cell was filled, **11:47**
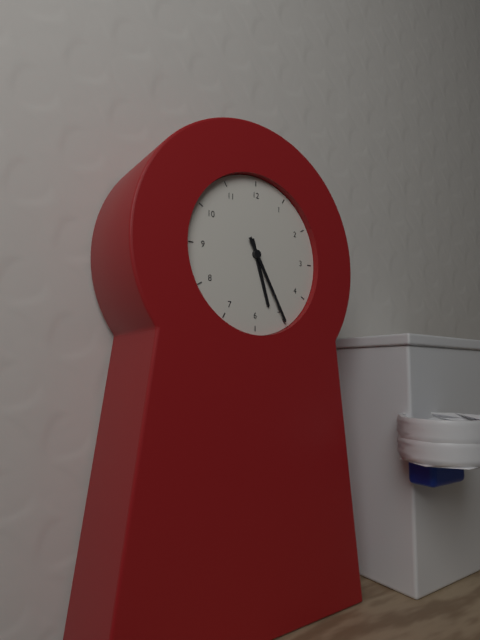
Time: **5:25**
